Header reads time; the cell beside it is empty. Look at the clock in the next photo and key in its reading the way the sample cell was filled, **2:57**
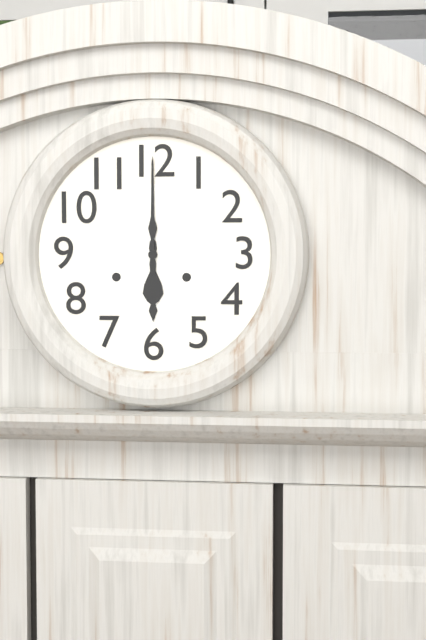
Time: **6:00**
